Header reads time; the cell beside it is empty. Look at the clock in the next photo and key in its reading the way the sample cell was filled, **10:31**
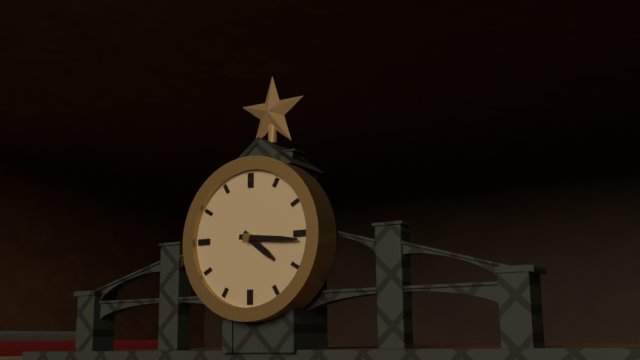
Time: **4:16**
